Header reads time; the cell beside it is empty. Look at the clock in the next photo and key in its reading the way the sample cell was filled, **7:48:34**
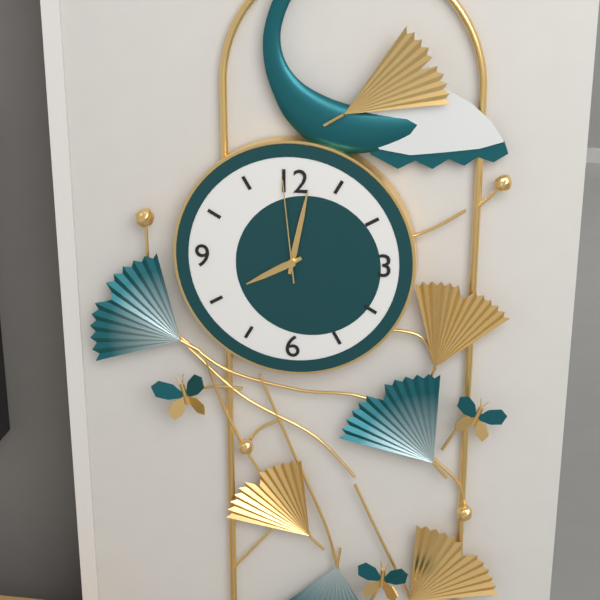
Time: **8:02:59**
